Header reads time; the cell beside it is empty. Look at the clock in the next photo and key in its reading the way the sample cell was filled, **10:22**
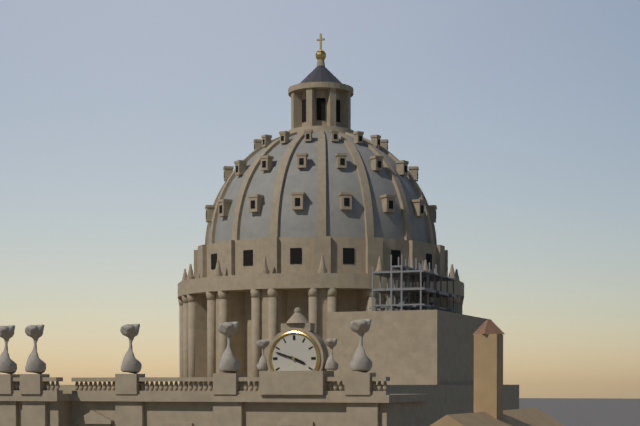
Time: **3:48**
